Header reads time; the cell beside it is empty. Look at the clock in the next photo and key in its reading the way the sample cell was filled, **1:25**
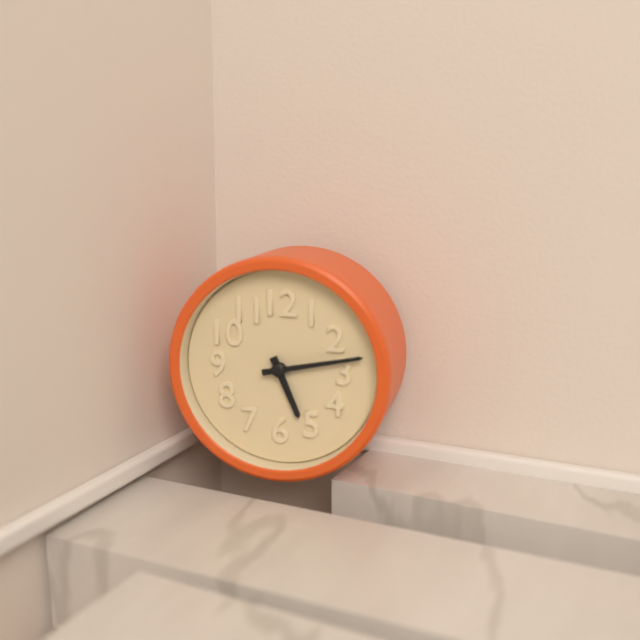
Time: **5:13**
